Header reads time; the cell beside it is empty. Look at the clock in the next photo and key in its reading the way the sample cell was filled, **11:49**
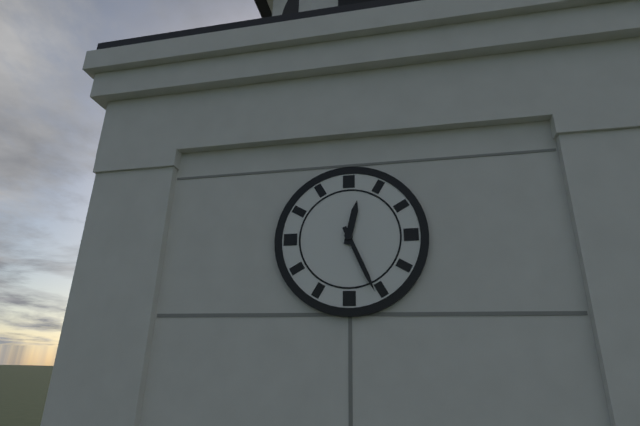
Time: **12:26**
